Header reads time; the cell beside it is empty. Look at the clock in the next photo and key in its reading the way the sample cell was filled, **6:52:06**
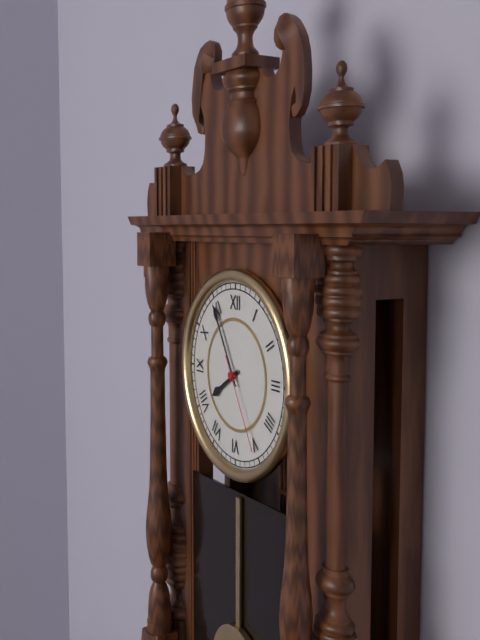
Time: **7:55:25**
